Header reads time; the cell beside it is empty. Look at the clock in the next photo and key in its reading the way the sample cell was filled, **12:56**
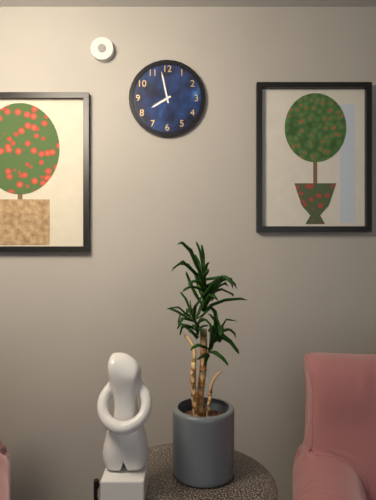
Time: **7:58**
